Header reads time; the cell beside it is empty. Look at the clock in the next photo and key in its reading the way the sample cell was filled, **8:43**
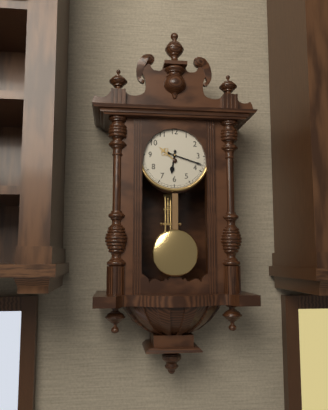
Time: **6:18**
